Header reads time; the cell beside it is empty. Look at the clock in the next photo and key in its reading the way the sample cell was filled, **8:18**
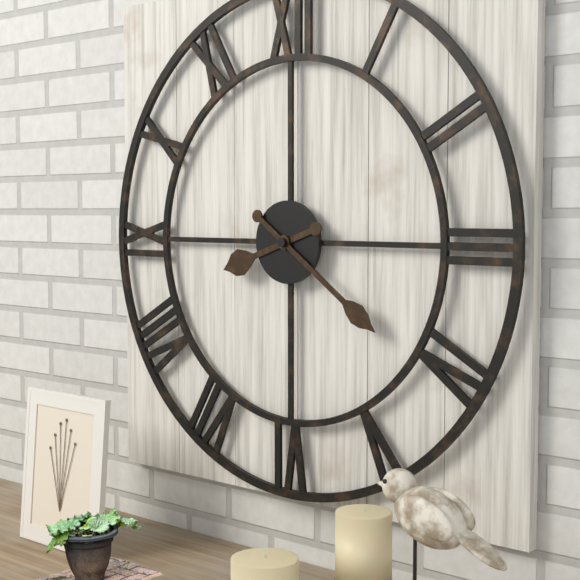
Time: **8:21**
